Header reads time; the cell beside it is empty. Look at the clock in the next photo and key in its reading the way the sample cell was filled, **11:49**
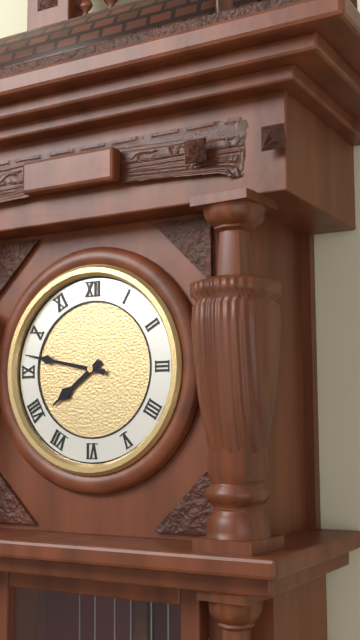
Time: **7:47**
